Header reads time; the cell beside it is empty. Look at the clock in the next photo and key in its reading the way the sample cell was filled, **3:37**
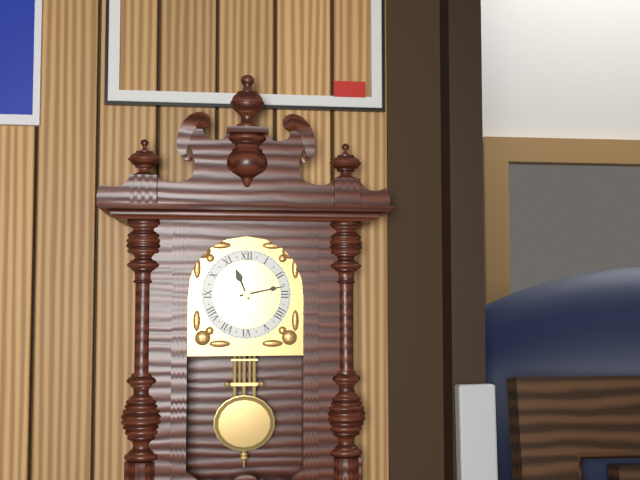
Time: **11:13**
